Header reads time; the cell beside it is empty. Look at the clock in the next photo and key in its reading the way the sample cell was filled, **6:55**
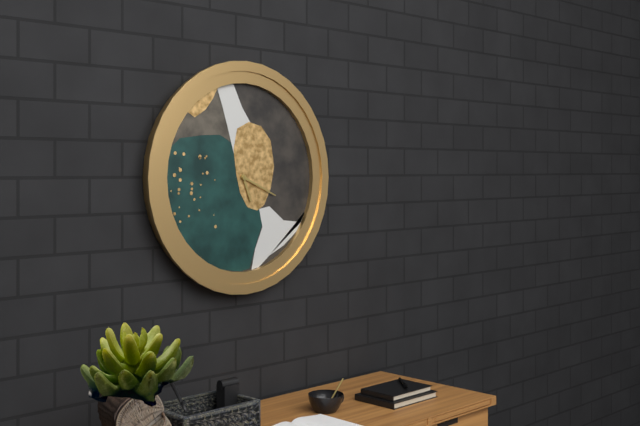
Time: **5:19**
